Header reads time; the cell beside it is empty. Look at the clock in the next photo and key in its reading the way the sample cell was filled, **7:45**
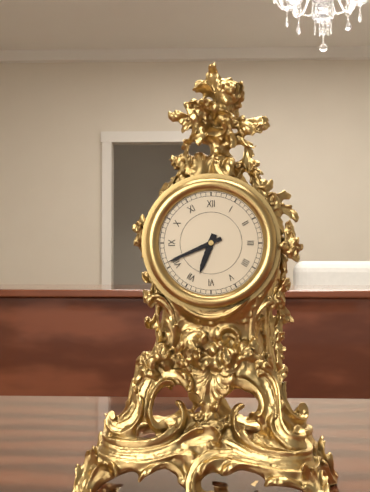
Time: **6:41**
